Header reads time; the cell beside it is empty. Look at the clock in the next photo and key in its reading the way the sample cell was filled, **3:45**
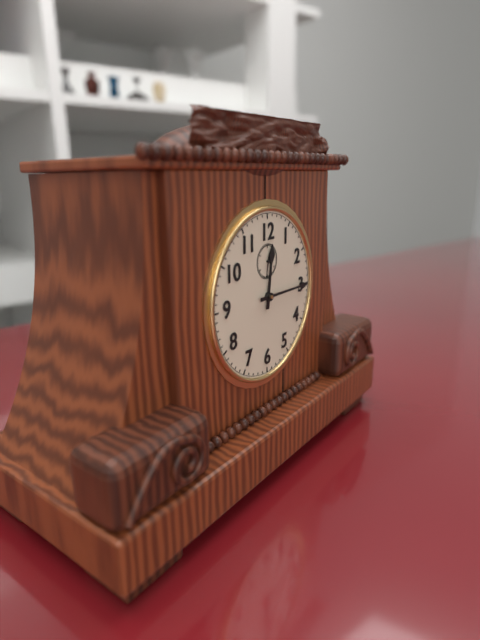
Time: **12:15**
